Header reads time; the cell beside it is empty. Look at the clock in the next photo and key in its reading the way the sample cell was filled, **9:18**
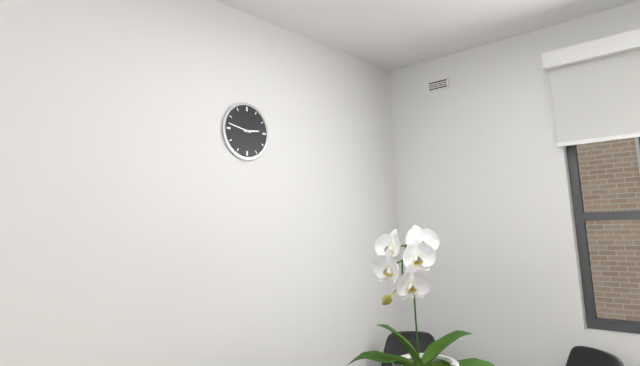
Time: **2:47**
